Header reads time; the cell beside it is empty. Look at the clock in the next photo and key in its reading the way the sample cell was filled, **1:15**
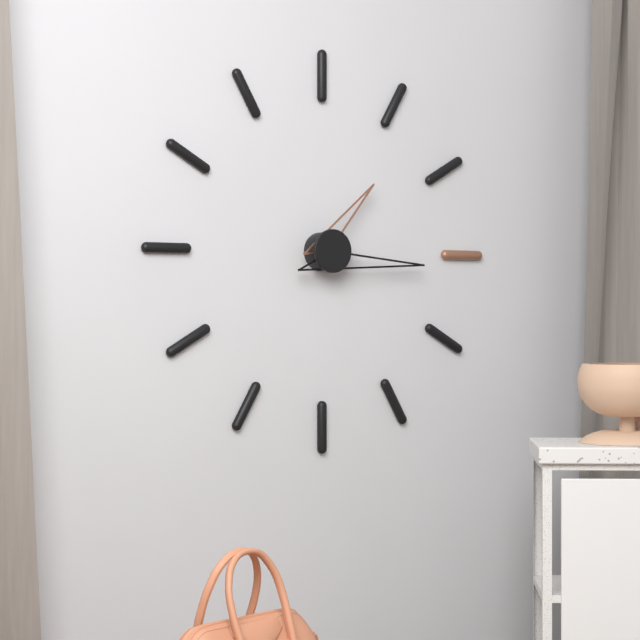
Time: **1:16**
